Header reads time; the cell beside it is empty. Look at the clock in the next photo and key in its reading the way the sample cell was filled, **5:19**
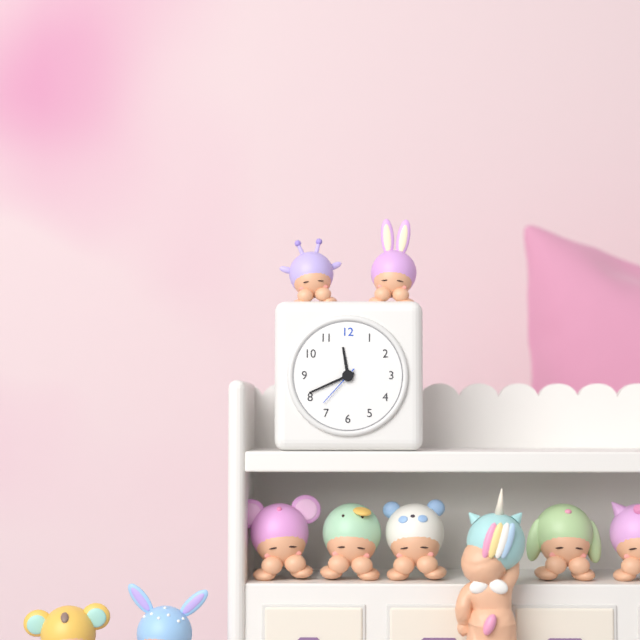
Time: **11:41**
